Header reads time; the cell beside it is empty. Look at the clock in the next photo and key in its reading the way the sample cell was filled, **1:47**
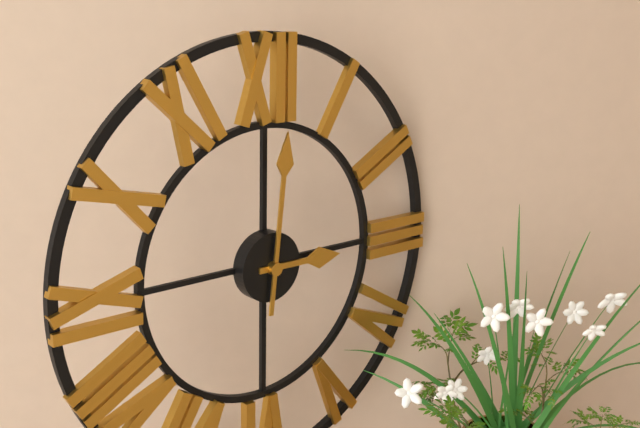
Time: **3:01**
